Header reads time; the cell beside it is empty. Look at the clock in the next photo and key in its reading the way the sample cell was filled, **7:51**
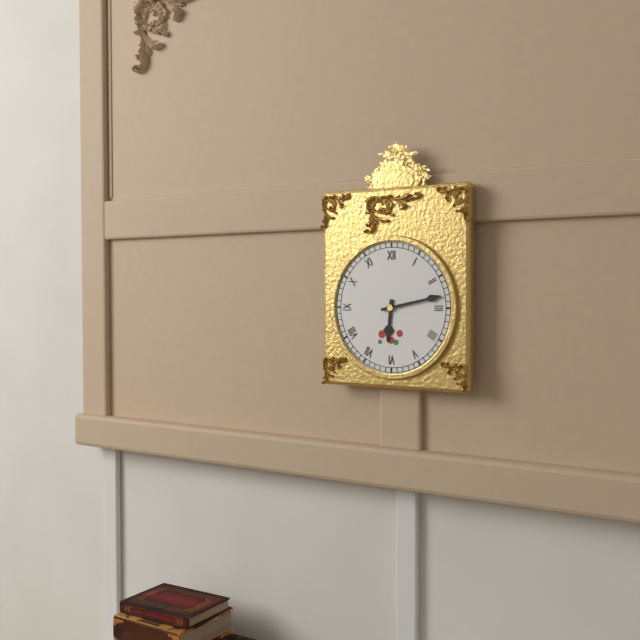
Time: **6:13**
